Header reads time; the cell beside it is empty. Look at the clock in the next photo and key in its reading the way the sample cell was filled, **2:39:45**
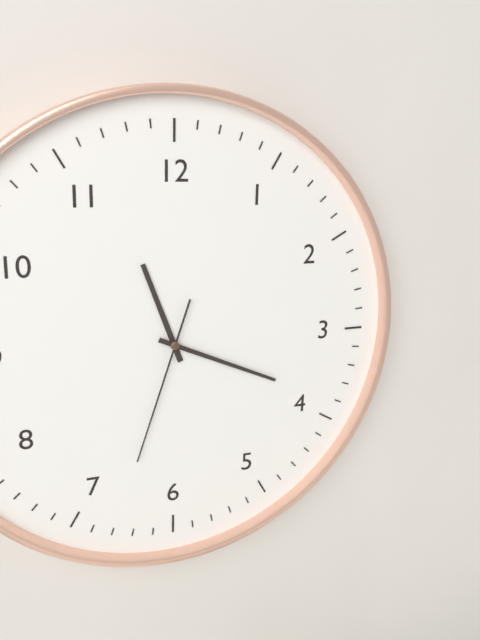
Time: **11:19:33**
